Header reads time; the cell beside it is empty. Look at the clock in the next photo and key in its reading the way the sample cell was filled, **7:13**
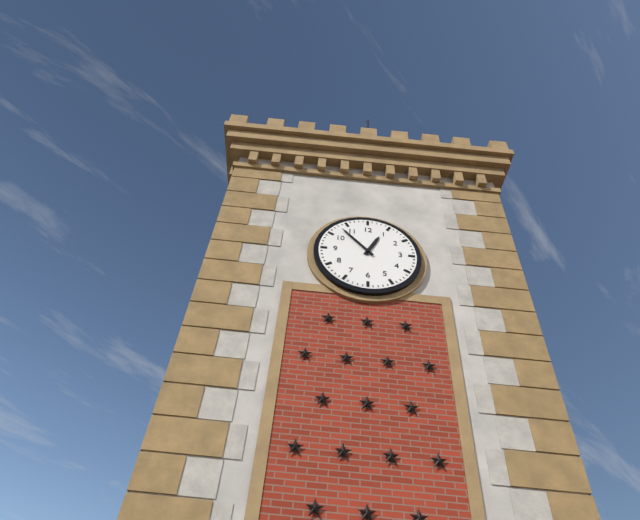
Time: **12:53**
